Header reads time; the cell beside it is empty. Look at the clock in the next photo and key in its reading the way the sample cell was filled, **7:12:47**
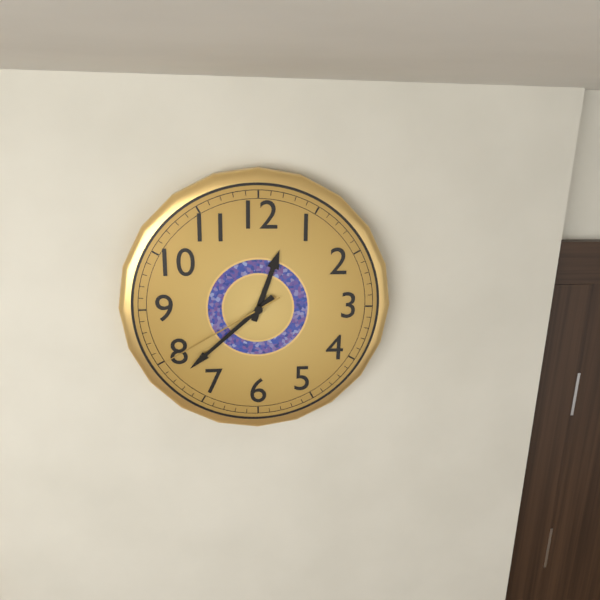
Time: **12:38:40**
